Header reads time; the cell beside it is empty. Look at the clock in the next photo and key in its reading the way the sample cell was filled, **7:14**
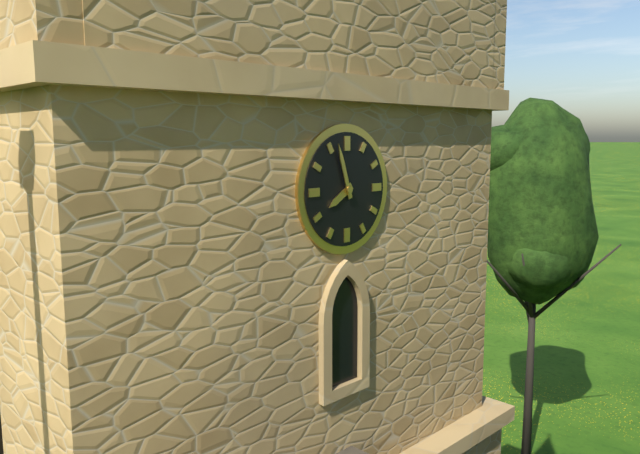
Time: **7:57**
